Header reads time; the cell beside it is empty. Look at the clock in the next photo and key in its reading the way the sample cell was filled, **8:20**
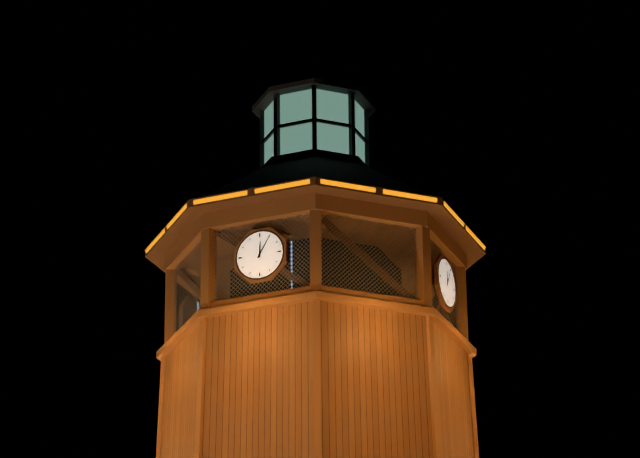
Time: **12:05**
